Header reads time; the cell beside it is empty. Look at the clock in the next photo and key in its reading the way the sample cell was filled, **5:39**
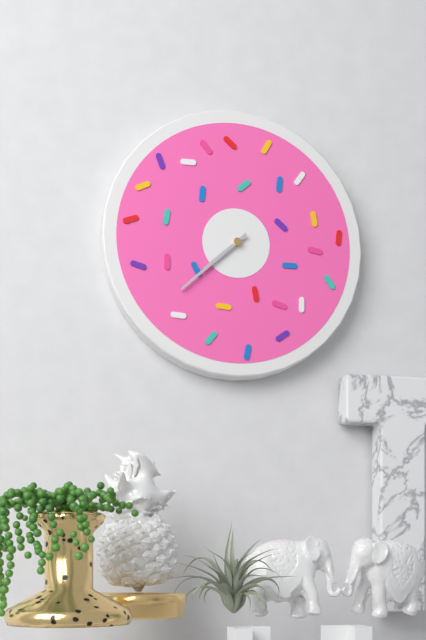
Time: **7:38**
